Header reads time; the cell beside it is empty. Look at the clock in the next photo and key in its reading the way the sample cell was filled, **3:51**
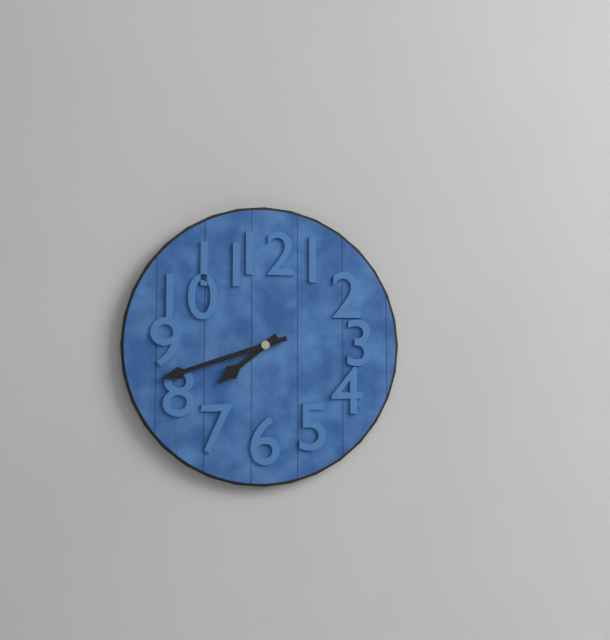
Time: **7:42**
